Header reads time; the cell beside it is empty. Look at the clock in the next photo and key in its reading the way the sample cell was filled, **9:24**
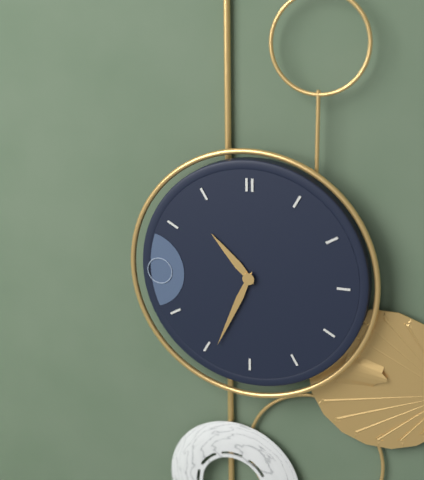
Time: **10:34**
